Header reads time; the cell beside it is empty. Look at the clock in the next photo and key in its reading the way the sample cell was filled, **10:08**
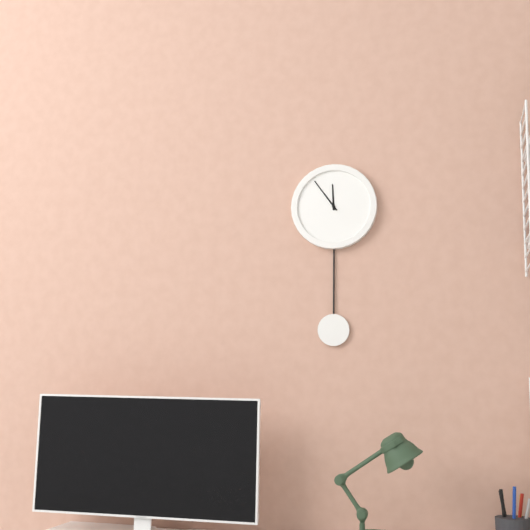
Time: **11:54**
